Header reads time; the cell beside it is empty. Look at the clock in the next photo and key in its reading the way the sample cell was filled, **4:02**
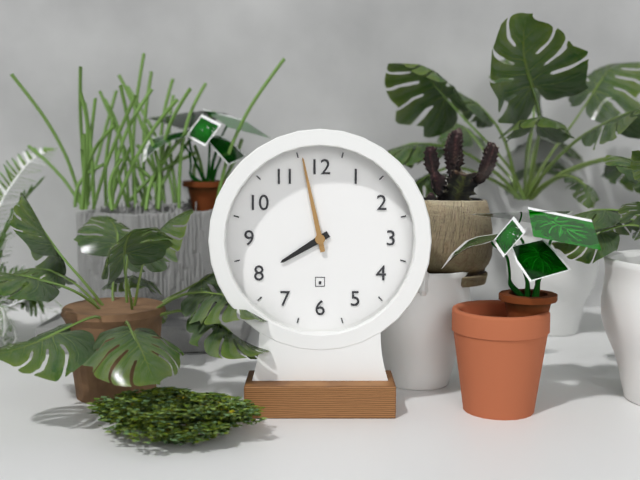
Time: **7:58**
